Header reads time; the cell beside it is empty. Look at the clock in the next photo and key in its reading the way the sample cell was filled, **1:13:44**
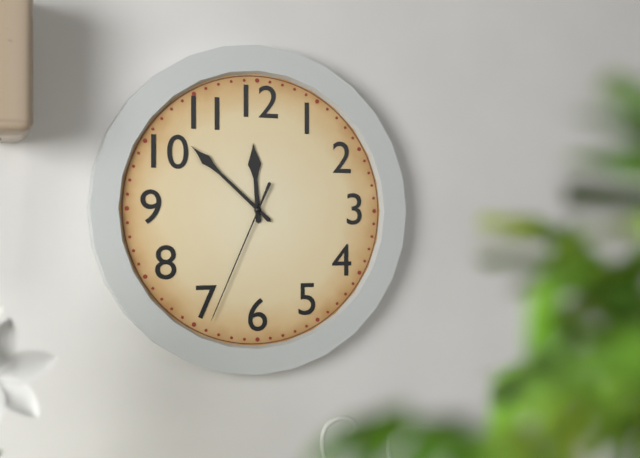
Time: **11:52:34**
